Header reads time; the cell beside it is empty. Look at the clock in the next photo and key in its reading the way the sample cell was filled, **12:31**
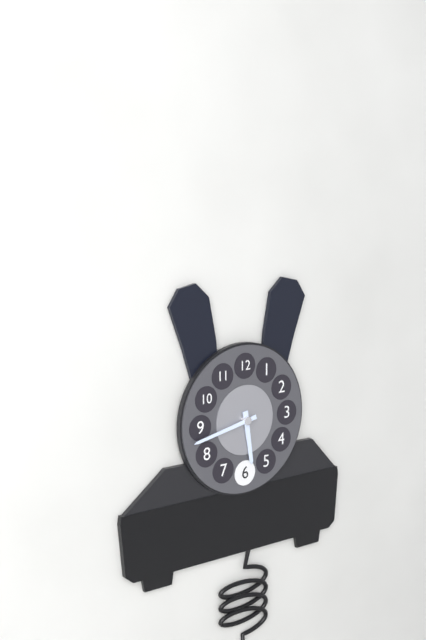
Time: **5:43**
